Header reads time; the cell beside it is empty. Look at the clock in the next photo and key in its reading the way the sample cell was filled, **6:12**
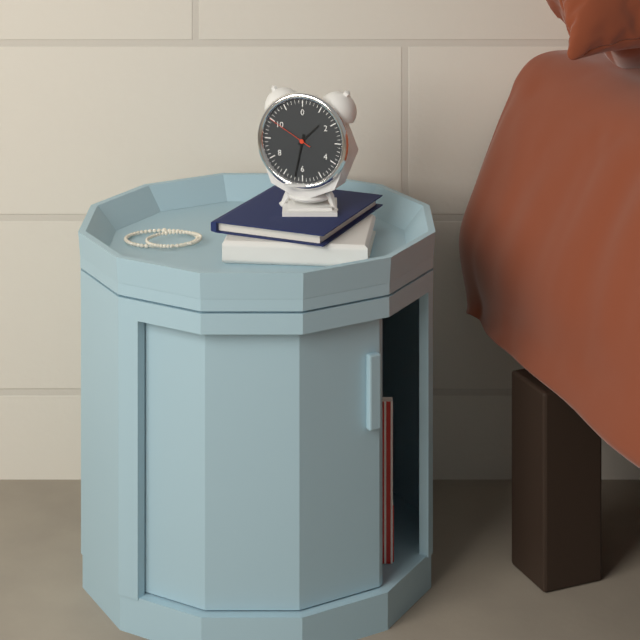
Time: **1:32**
